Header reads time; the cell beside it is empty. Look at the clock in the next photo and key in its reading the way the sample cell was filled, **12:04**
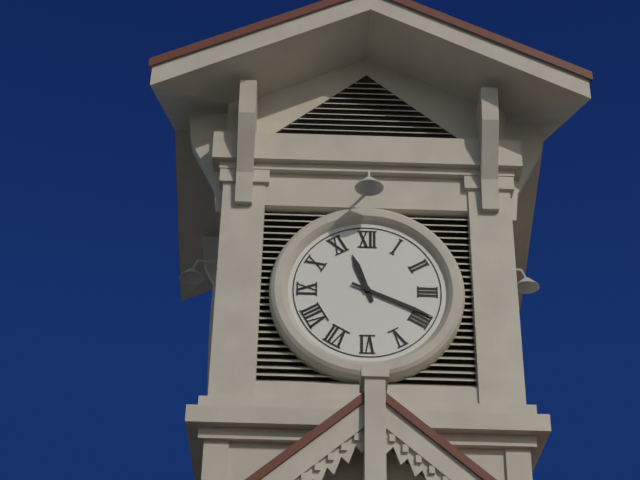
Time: **11:19**
